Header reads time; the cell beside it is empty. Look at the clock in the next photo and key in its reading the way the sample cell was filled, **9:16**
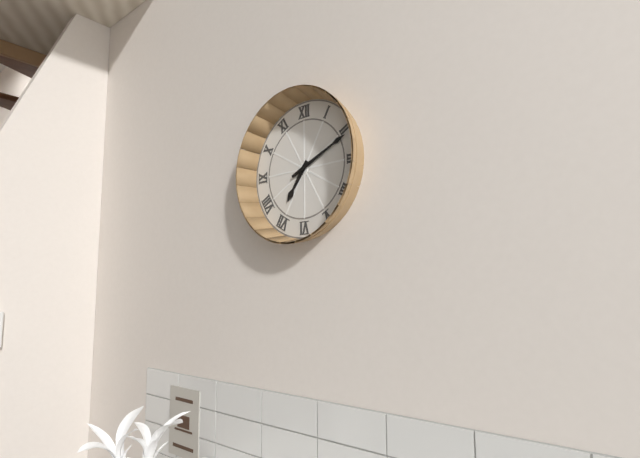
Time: **7:11**
